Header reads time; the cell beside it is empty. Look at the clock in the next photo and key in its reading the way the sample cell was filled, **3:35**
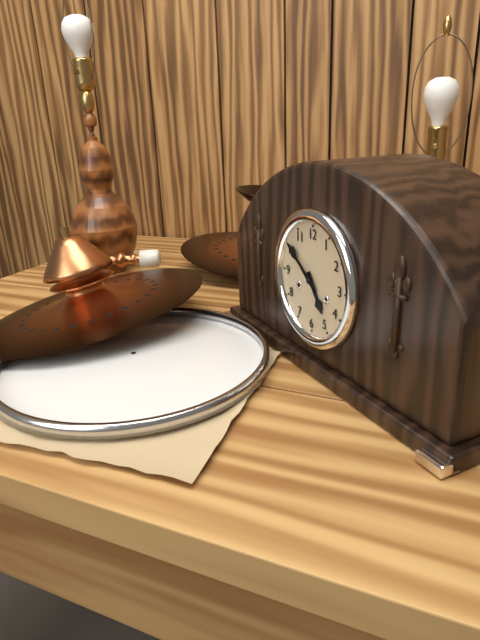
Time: **4:51**
